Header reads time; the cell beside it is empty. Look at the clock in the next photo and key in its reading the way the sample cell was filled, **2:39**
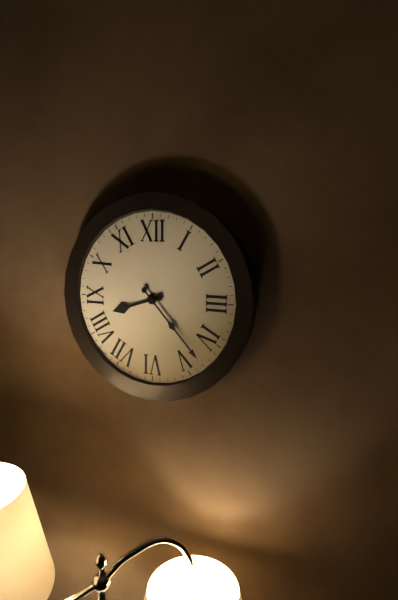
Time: **8:23**
